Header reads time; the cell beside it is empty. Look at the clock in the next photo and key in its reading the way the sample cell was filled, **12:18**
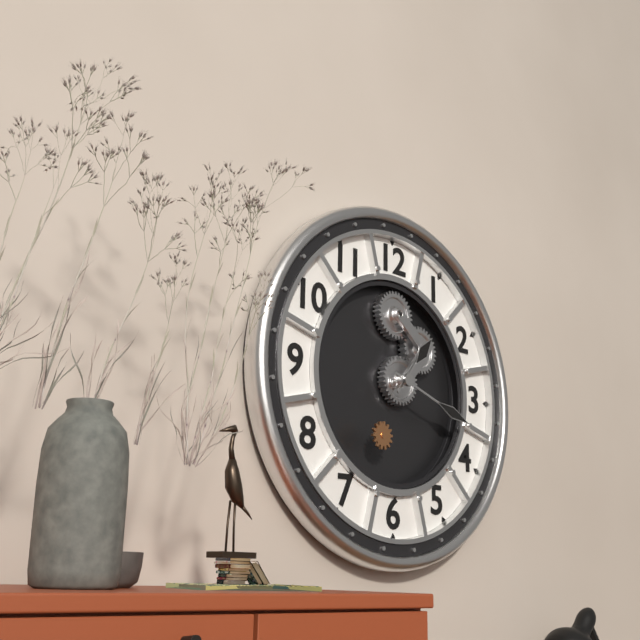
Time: **1:18**
